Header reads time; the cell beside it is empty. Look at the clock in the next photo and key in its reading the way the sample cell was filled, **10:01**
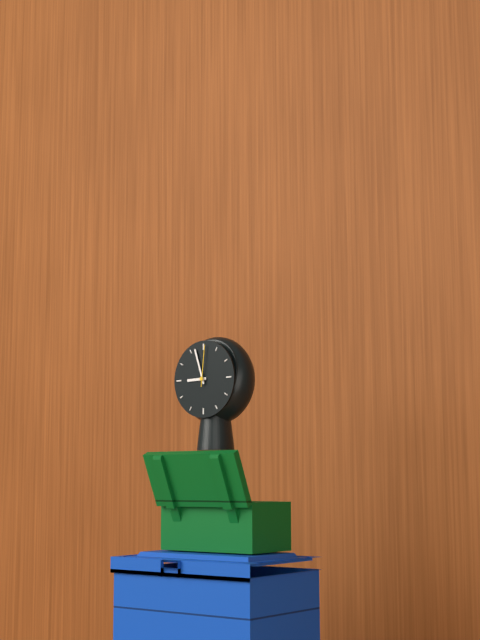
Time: **8:57**
